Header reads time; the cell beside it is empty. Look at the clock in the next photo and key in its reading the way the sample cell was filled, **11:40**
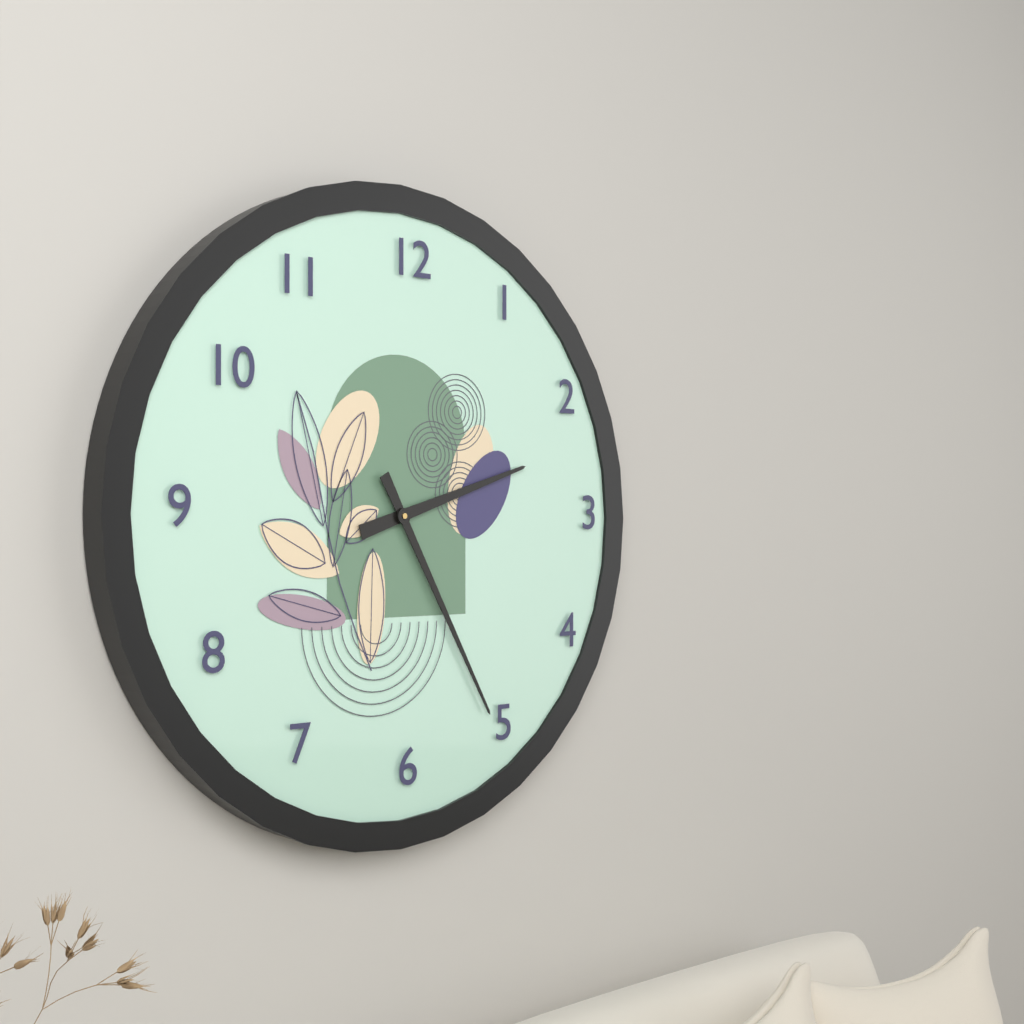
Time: **2:25**
